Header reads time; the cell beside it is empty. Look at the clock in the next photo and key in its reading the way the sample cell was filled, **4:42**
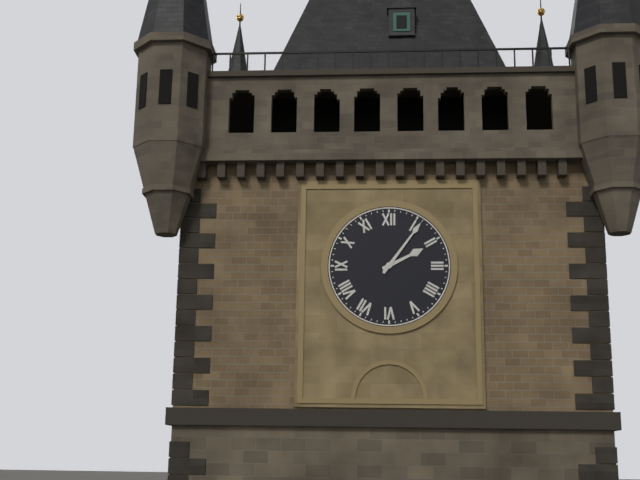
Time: **2:06**
